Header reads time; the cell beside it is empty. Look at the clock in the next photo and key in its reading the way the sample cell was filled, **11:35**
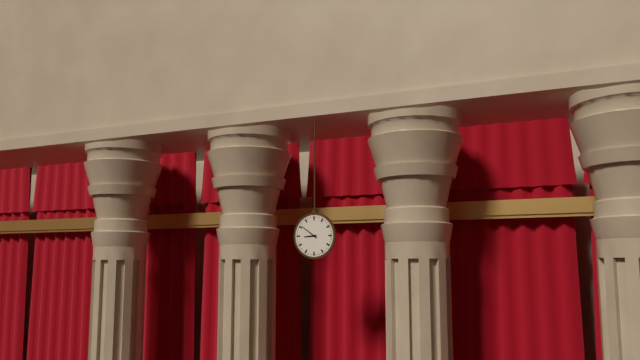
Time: **8:51**
